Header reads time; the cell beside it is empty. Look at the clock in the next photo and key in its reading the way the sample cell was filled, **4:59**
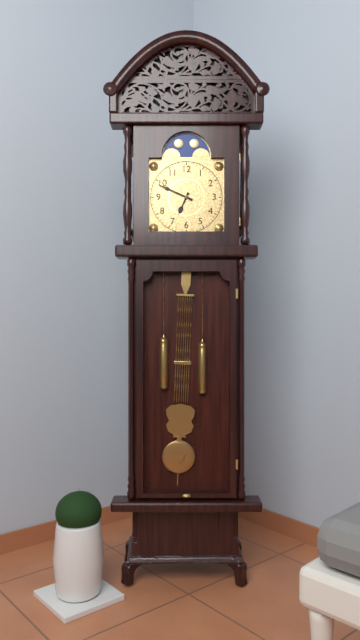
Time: **6:49**
